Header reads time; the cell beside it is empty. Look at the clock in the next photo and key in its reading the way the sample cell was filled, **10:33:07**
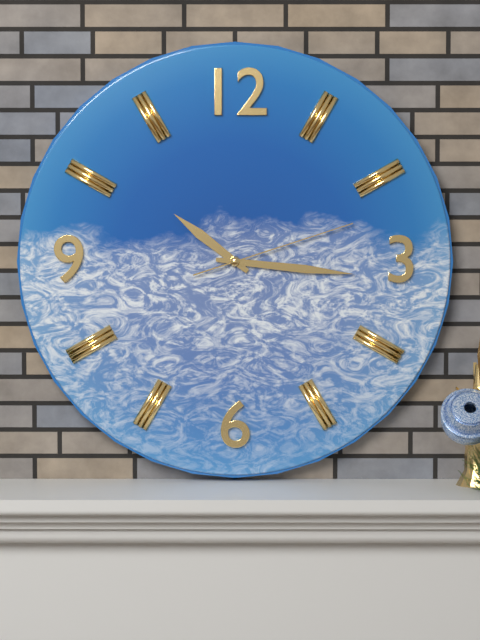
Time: **10:16:12**
